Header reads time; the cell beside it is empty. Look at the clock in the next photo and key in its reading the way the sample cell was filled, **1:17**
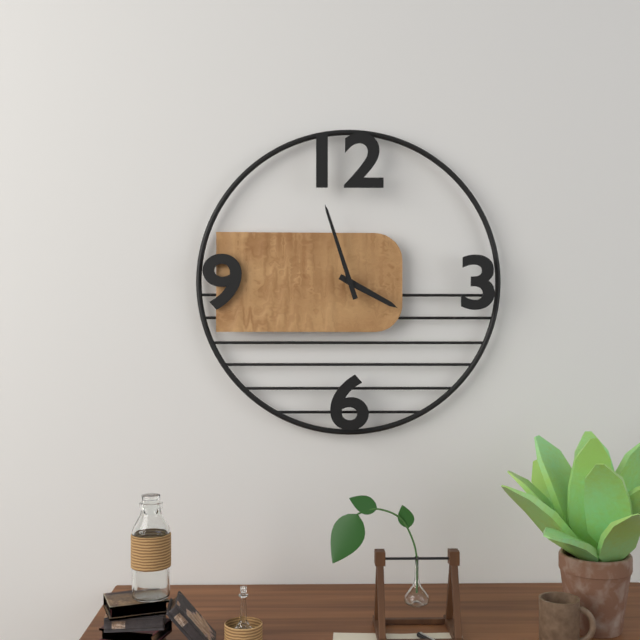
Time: **3:57**
